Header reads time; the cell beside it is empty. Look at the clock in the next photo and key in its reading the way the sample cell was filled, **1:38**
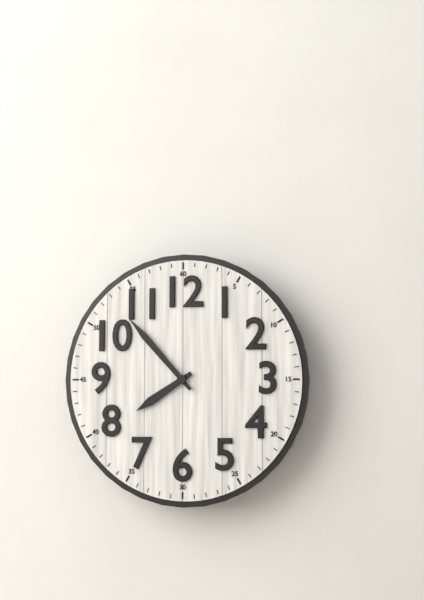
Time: **7:53**
